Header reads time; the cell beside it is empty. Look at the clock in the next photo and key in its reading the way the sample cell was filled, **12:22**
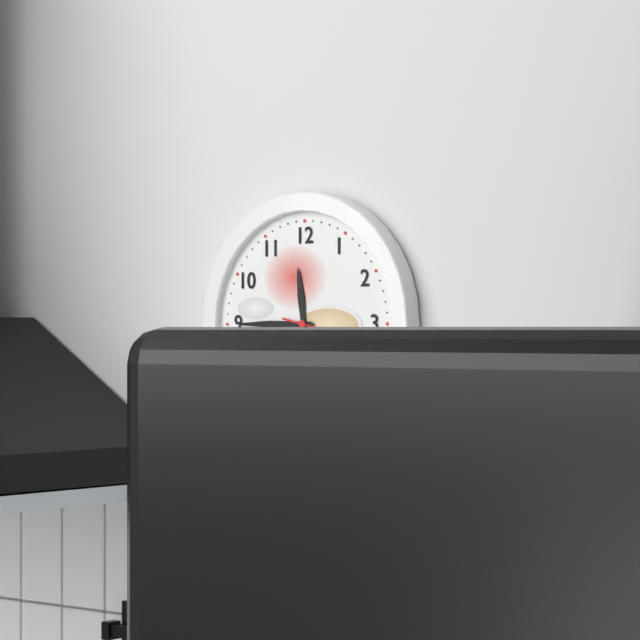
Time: **11:45**
